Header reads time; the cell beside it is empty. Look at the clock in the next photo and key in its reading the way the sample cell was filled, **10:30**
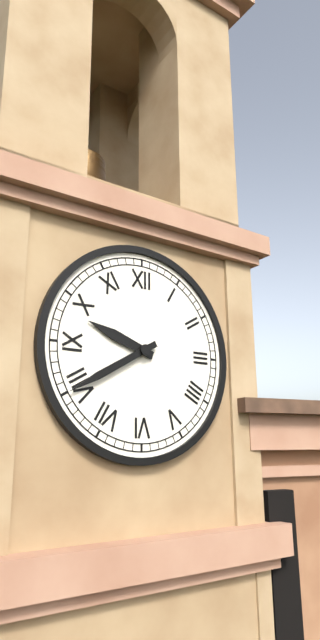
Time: **9:40**
